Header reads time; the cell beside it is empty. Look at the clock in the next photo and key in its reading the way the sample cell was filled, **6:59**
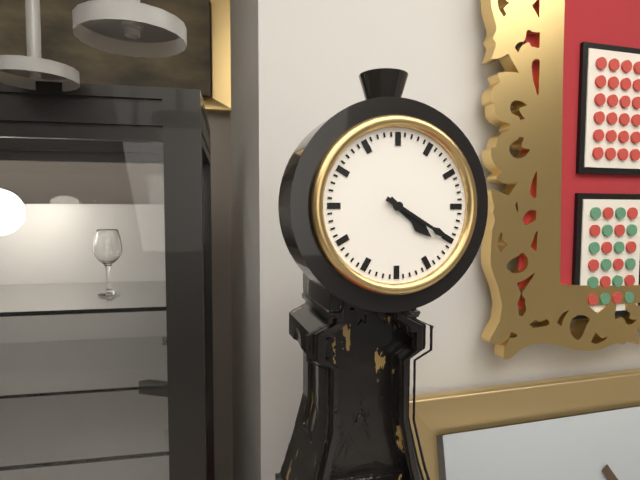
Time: **4:20**
